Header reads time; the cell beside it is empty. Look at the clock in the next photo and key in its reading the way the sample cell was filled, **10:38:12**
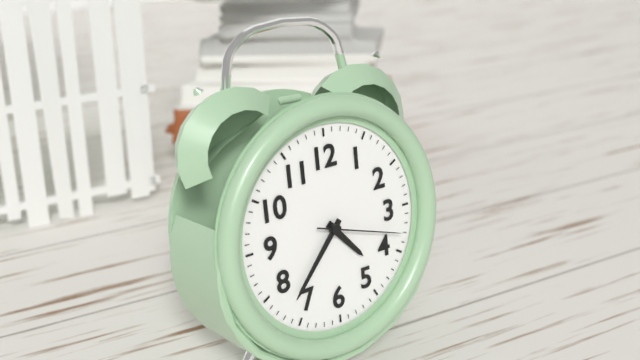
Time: **4:37:18**
